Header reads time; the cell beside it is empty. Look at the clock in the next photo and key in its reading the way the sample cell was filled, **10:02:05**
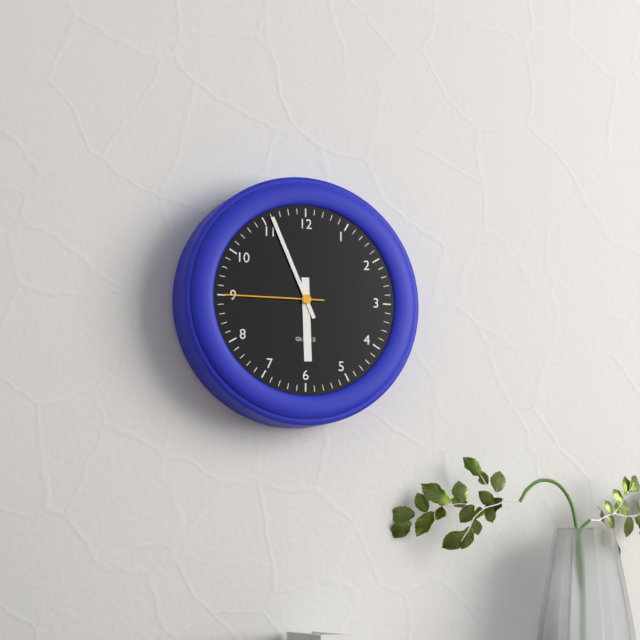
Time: **5:56:45**
